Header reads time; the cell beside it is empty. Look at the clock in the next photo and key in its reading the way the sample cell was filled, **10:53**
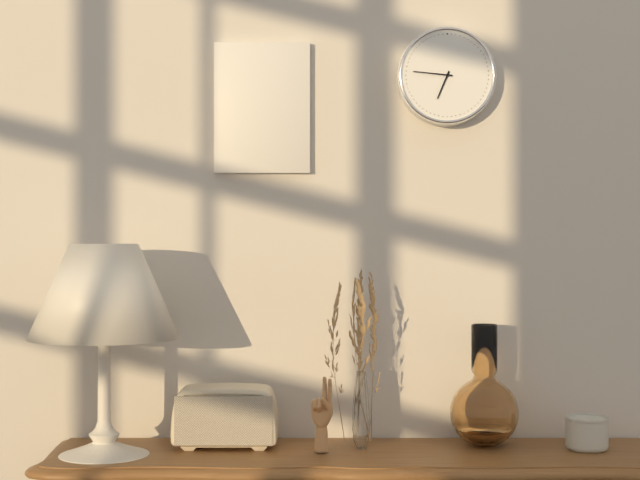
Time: **6:46**
